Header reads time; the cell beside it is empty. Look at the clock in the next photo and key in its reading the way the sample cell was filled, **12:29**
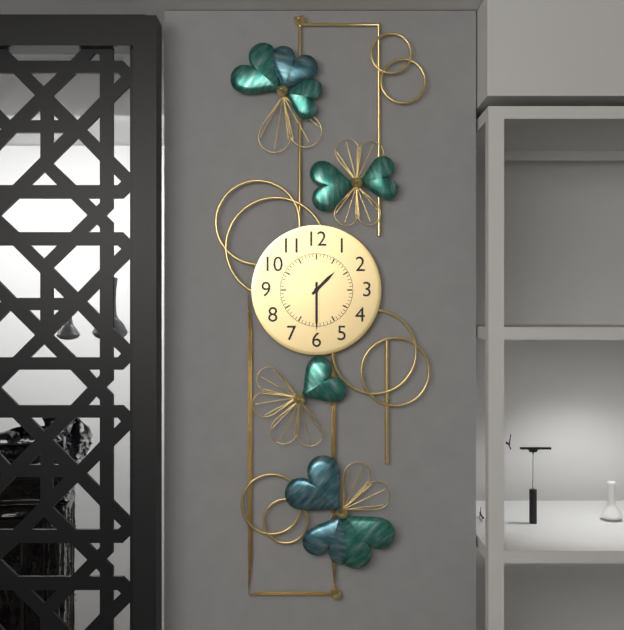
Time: **1:30**
